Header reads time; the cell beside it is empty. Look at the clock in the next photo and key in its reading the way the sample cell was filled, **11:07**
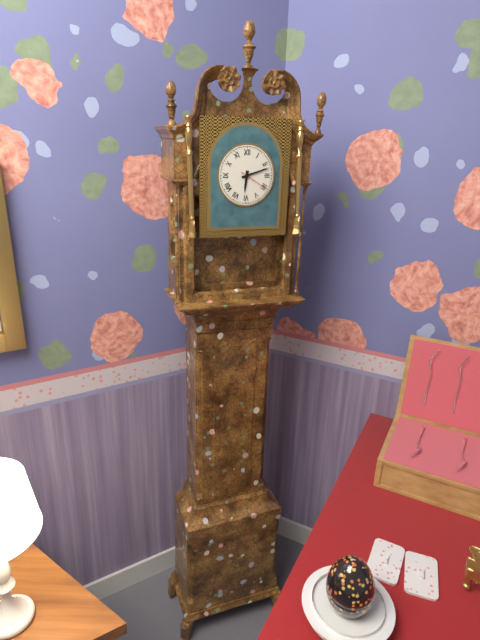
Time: **6:12**
